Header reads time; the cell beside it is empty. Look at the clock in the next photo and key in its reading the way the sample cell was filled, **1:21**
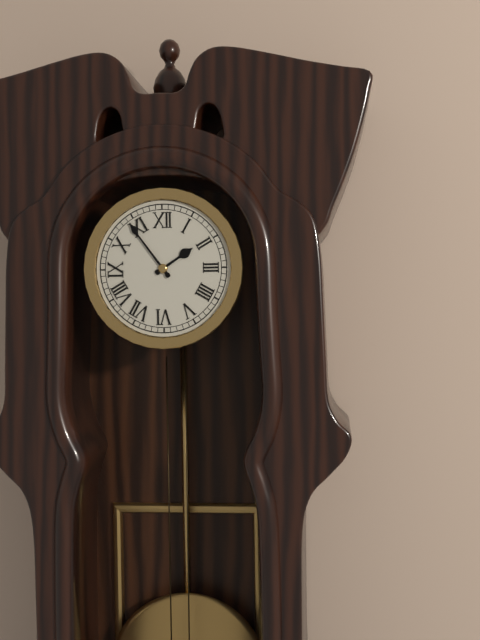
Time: **1:54**
